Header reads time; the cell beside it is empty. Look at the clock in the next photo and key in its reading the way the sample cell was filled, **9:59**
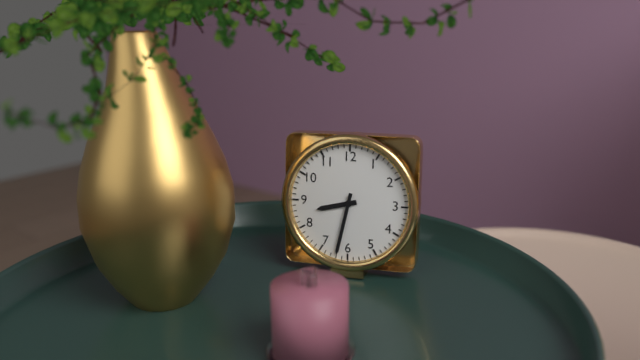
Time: **8:32**
